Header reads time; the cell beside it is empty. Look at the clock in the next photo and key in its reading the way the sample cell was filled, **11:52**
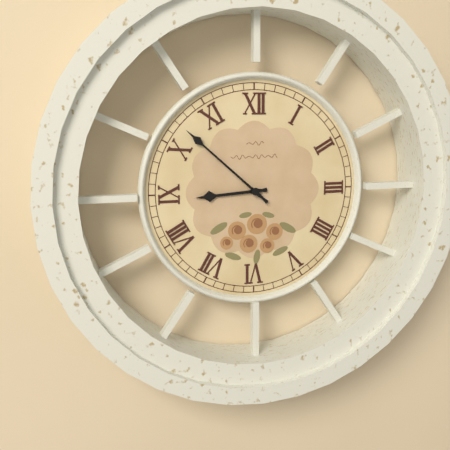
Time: **8:52**
